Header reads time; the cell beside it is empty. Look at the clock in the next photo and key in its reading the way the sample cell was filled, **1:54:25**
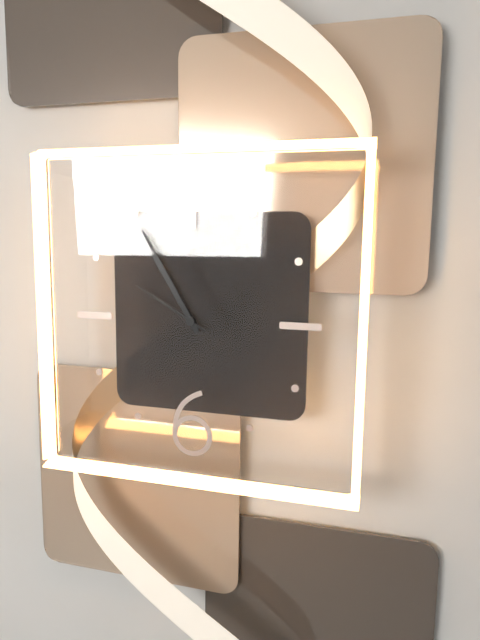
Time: **10:55:50**
